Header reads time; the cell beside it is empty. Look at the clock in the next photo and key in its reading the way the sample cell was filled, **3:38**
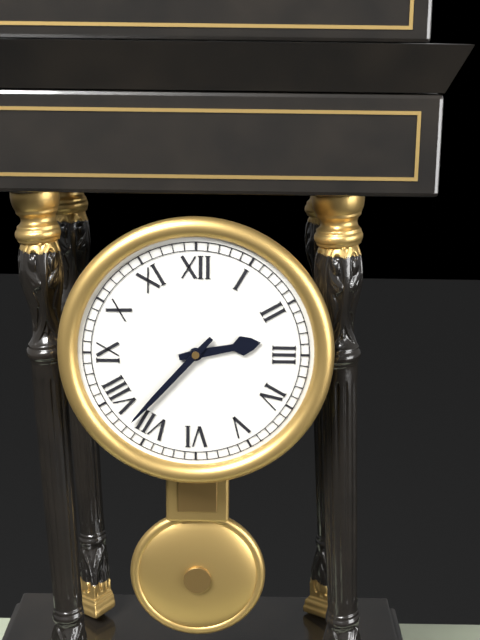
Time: **2:37**
